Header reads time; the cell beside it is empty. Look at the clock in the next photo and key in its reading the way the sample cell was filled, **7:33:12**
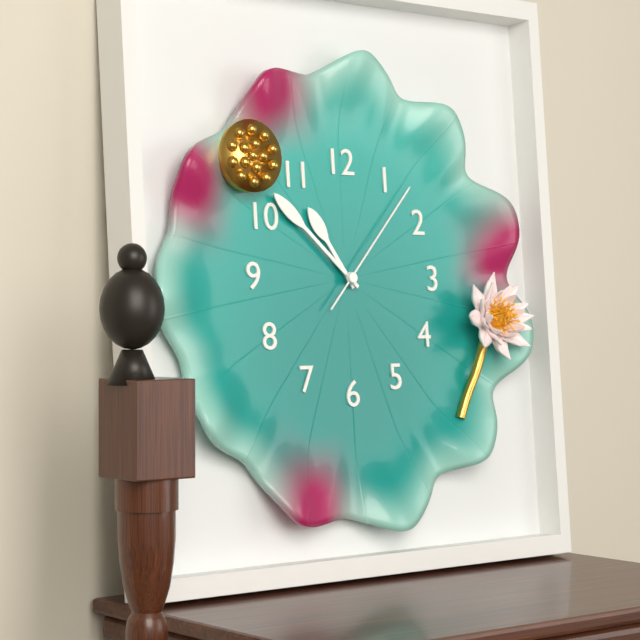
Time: **10:52:07**
